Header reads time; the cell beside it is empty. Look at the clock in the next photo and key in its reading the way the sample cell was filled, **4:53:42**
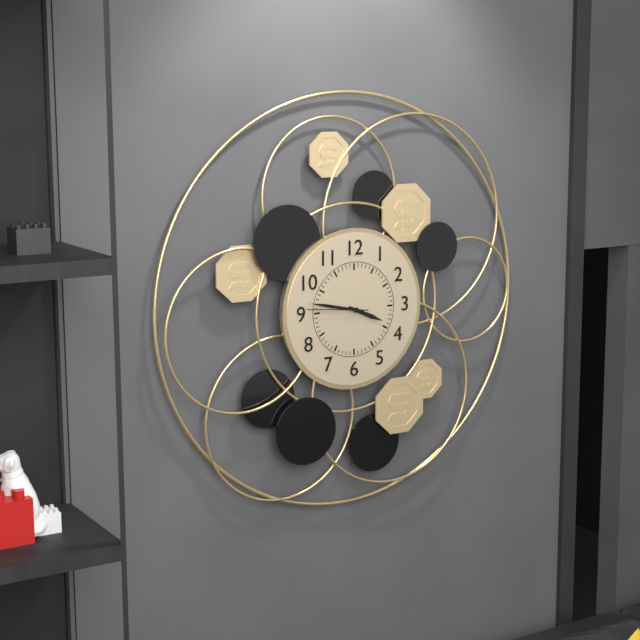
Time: **3:47:46**
